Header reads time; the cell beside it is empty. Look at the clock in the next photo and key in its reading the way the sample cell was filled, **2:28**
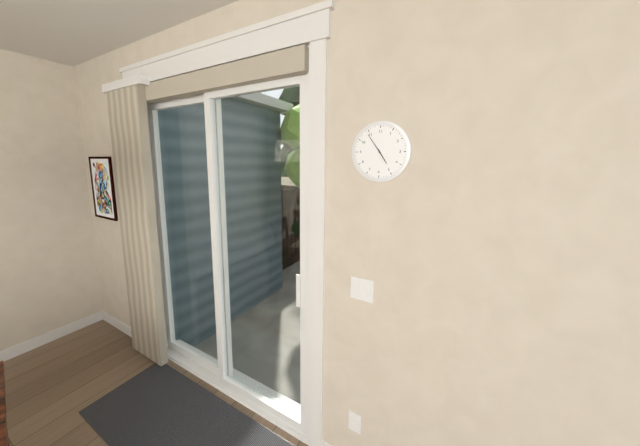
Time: **4:54**
